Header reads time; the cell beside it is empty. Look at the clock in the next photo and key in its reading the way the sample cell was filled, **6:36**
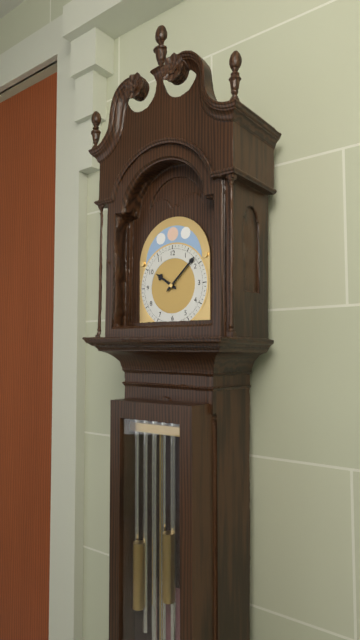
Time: **10:08**
